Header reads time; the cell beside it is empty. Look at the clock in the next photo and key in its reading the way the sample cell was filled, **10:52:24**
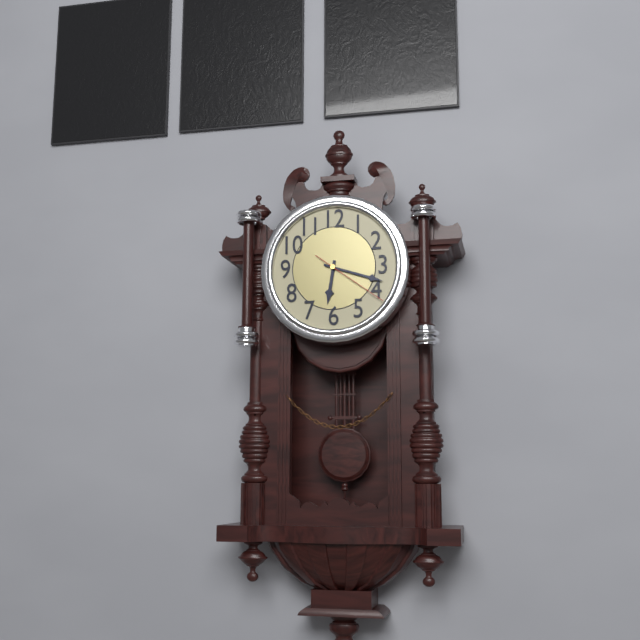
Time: **6:18:21**
